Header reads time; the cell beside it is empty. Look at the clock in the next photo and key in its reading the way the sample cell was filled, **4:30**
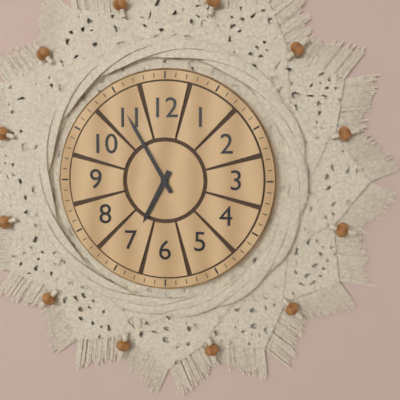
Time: **6:55**
